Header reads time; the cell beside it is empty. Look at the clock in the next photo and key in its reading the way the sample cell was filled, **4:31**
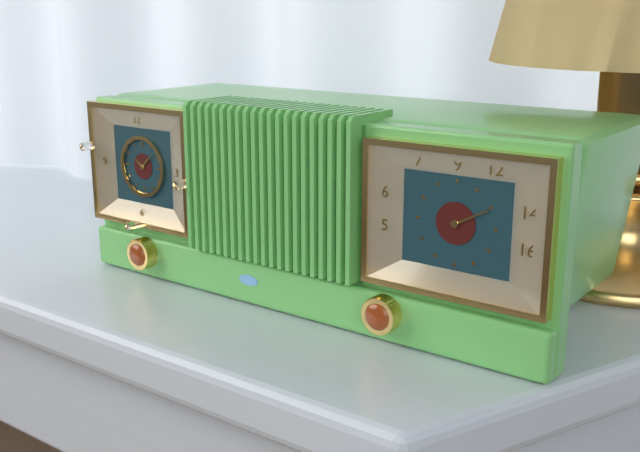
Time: **10:08**
